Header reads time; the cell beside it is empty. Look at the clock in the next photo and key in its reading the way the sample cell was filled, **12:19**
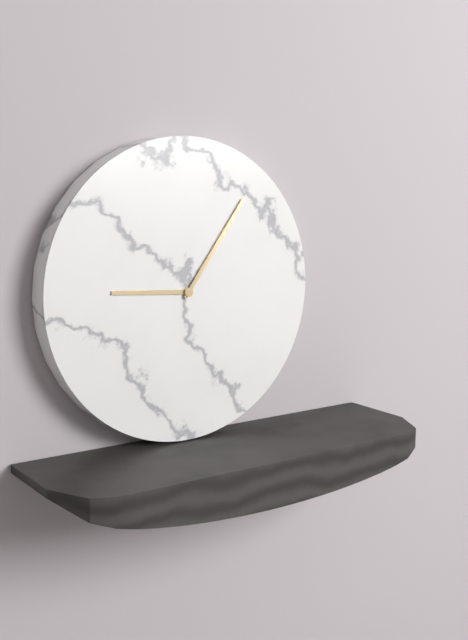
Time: **9:06**
